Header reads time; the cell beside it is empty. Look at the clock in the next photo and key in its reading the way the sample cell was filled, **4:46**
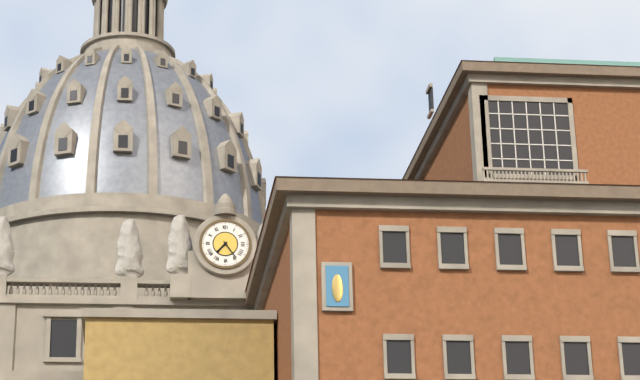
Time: **7:24**
